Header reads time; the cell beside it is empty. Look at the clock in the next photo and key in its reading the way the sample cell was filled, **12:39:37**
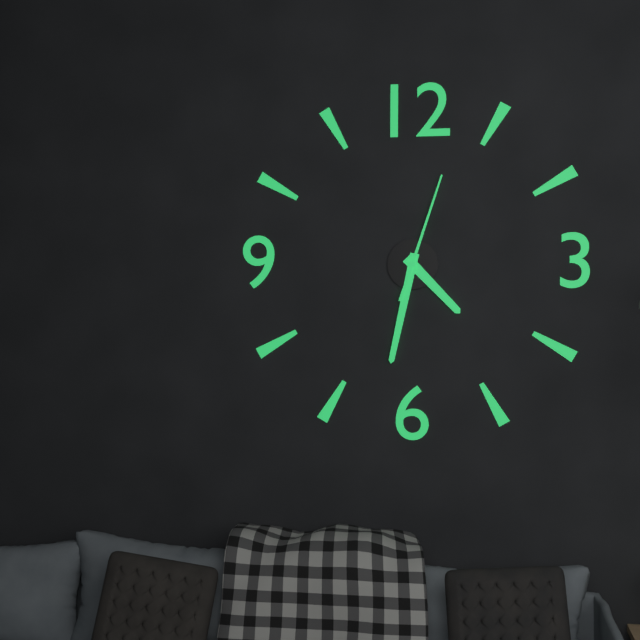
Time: **4:32:03**
